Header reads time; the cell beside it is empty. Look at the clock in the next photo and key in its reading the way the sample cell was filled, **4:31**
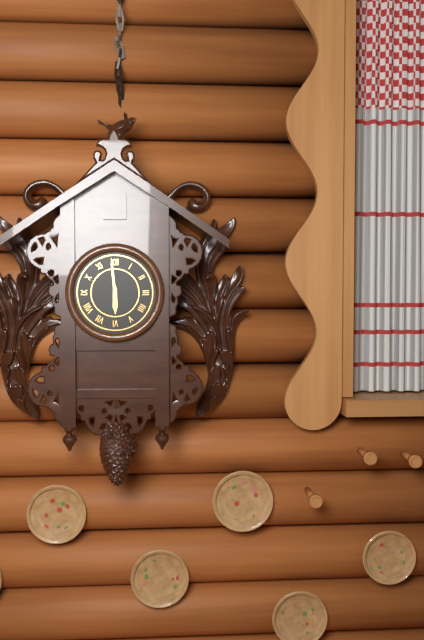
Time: **5:59**
